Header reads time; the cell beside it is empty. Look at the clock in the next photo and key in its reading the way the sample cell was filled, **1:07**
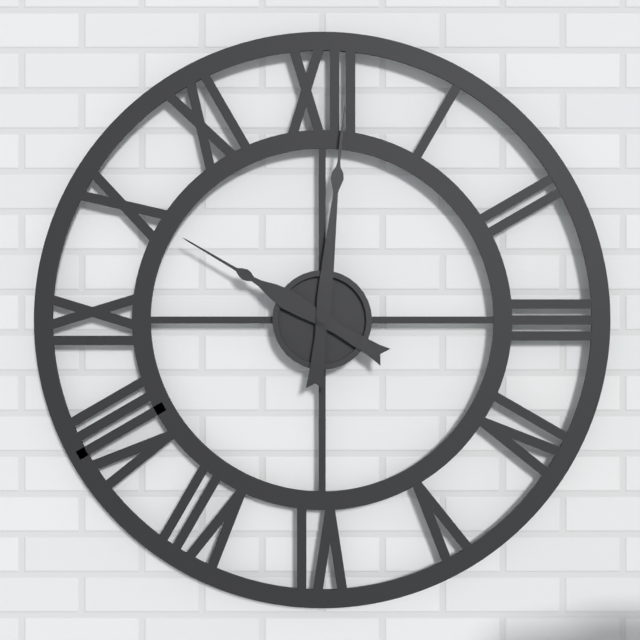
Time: **10:01**
